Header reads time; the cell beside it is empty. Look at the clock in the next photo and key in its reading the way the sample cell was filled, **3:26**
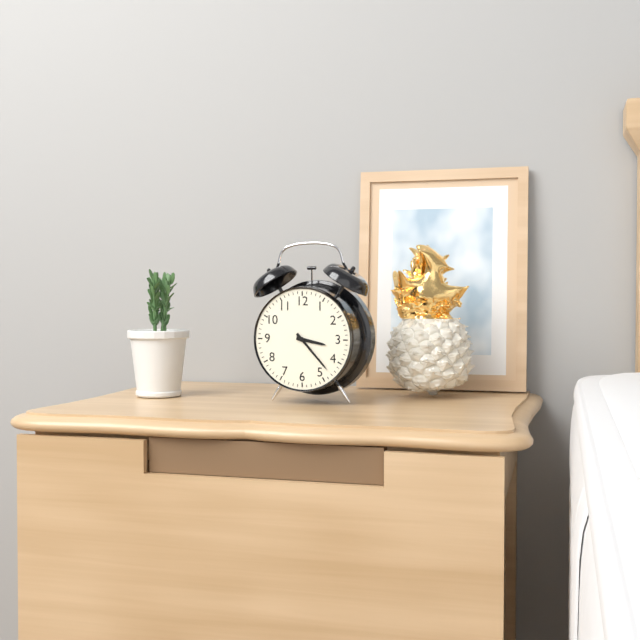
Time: **3:23**
